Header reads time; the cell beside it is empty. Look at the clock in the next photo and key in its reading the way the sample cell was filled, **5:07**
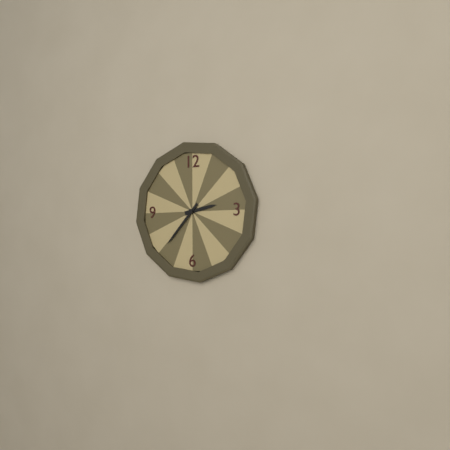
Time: **2:37**
